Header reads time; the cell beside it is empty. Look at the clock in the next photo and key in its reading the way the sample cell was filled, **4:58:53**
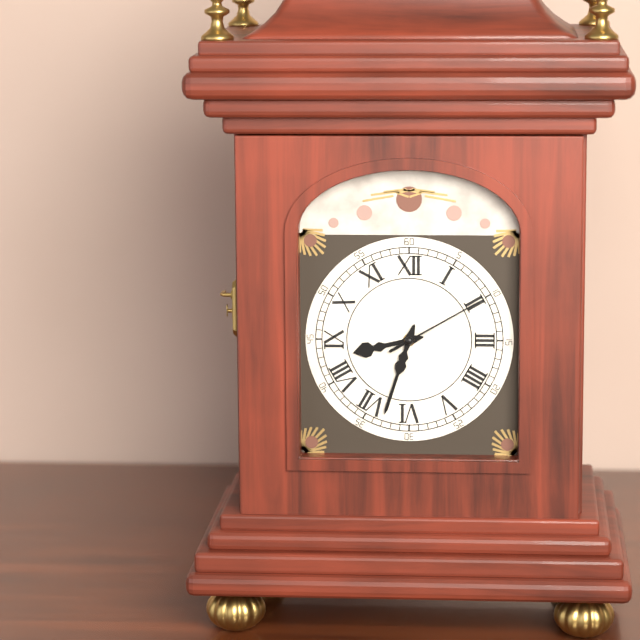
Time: **8:33:10**
